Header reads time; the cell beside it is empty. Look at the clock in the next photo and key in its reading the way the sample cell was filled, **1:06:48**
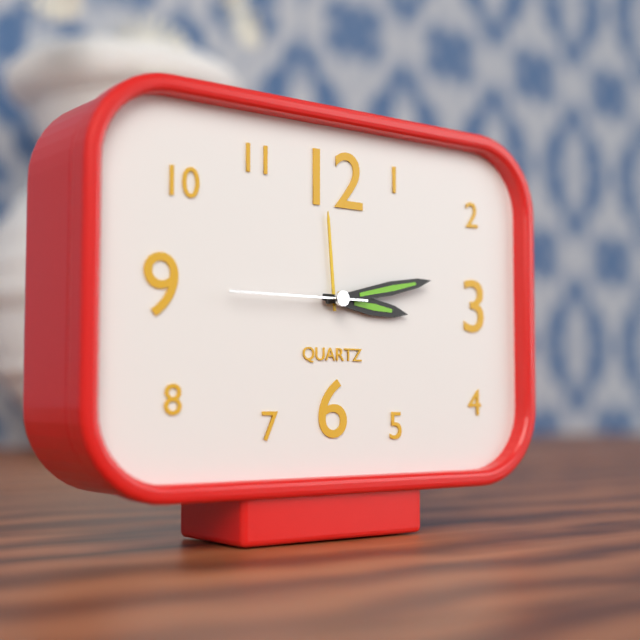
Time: **3:13:45**
